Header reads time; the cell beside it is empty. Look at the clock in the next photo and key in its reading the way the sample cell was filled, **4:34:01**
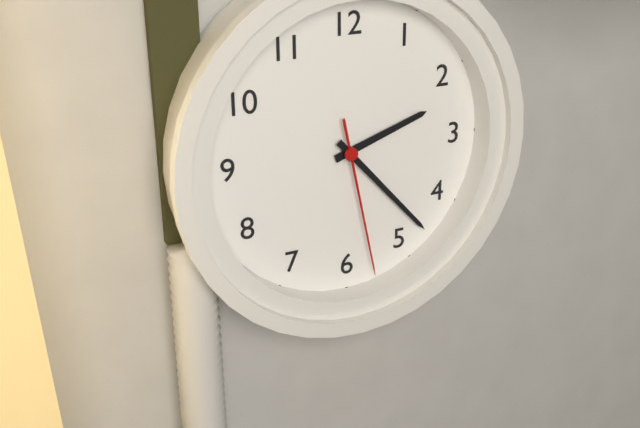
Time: **2:23:28**
